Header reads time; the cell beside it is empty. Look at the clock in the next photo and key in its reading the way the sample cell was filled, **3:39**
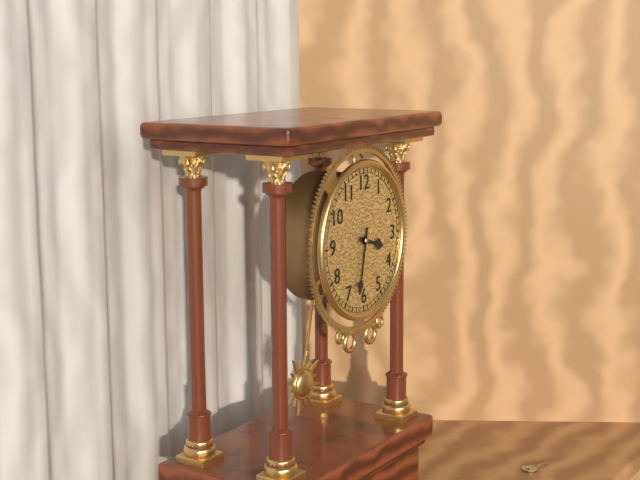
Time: **3:32**
